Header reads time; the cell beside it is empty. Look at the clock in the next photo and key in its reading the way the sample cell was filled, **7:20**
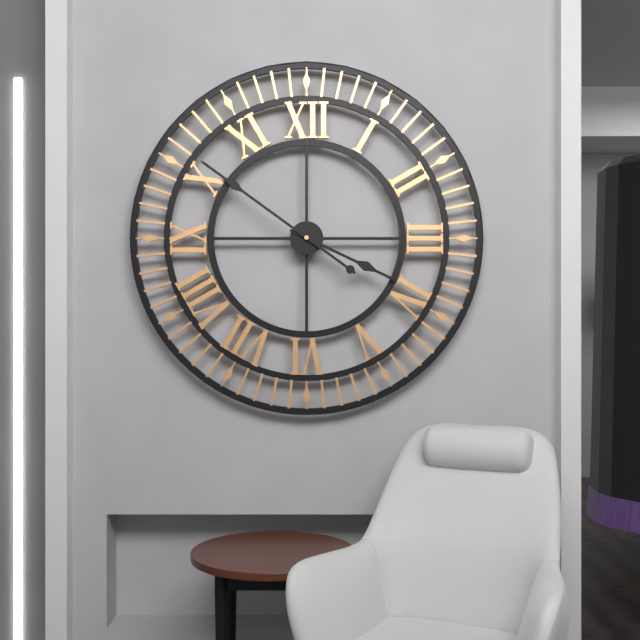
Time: **3:51**
